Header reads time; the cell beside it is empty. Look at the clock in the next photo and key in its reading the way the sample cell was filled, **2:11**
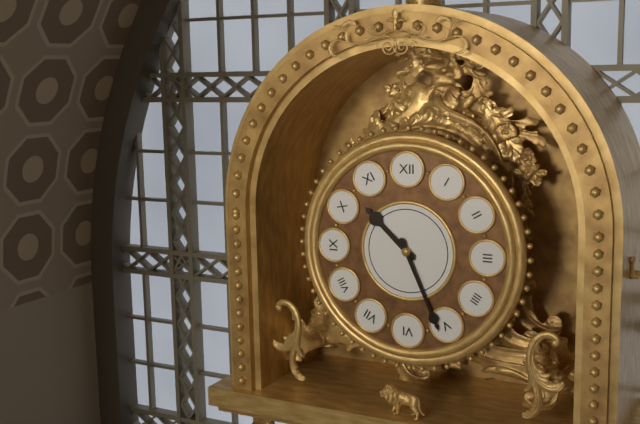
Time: **10:26**
